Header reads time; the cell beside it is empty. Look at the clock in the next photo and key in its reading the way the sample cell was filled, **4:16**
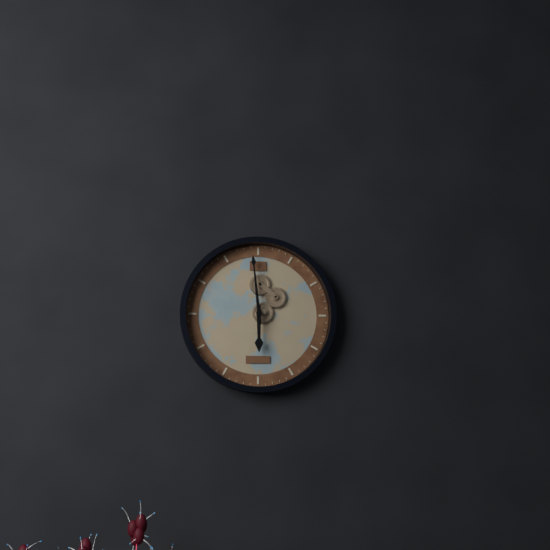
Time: **5:59**
